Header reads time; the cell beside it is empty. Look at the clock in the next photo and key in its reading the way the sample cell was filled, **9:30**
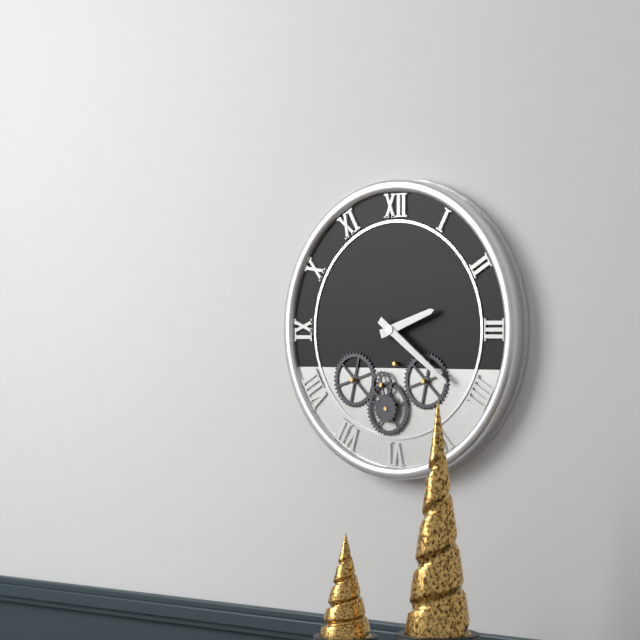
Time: **2:21**
